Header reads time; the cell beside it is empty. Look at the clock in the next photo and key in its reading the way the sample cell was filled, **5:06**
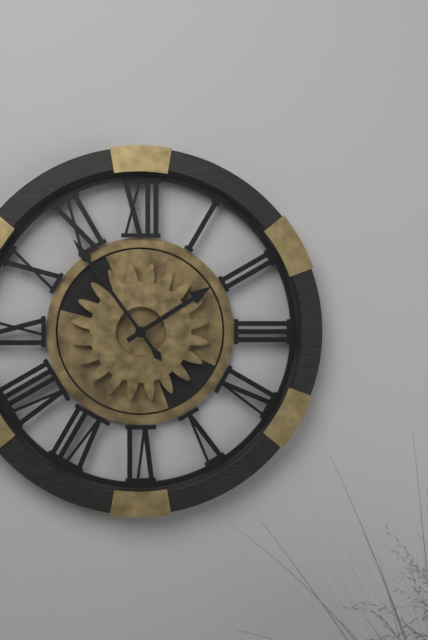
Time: **1:54**
